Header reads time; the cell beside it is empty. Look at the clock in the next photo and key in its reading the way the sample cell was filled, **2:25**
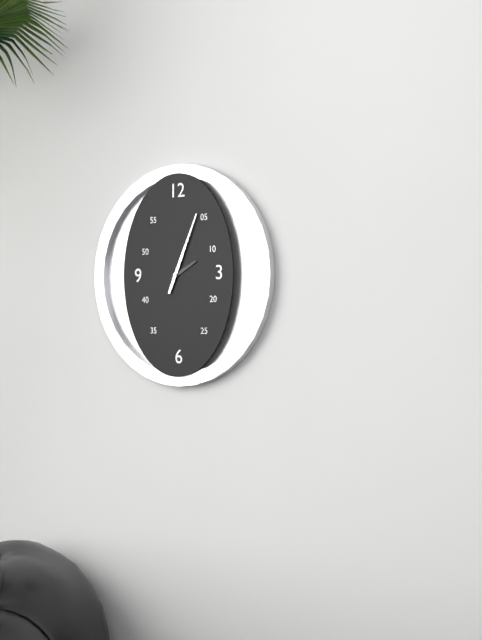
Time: **2:04**
